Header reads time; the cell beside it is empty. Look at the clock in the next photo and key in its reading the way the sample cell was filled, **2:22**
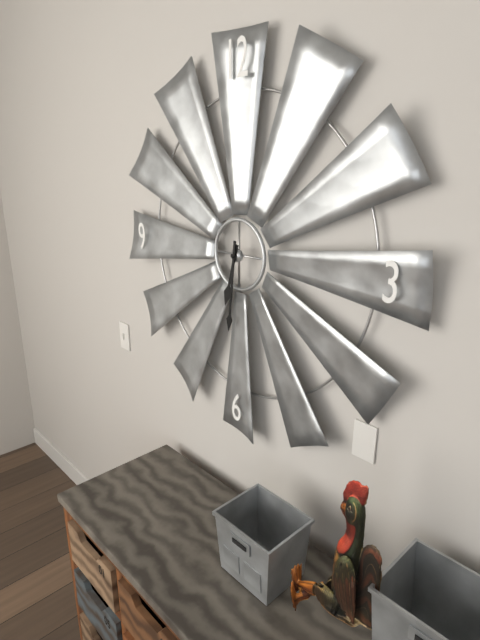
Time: **6:31**
